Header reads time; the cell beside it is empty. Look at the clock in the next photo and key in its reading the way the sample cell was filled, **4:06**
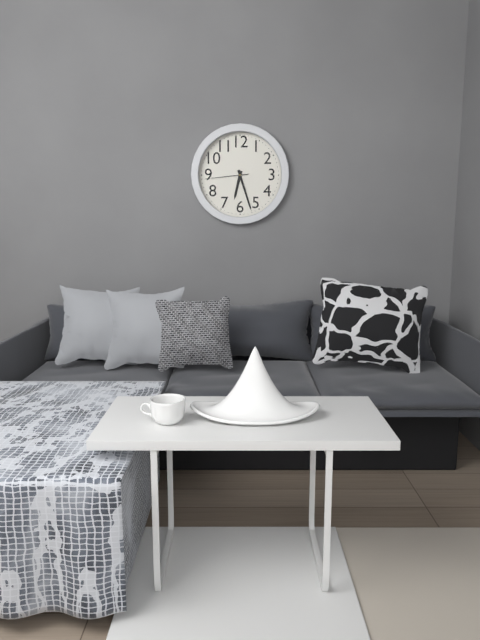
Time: **6:27**
